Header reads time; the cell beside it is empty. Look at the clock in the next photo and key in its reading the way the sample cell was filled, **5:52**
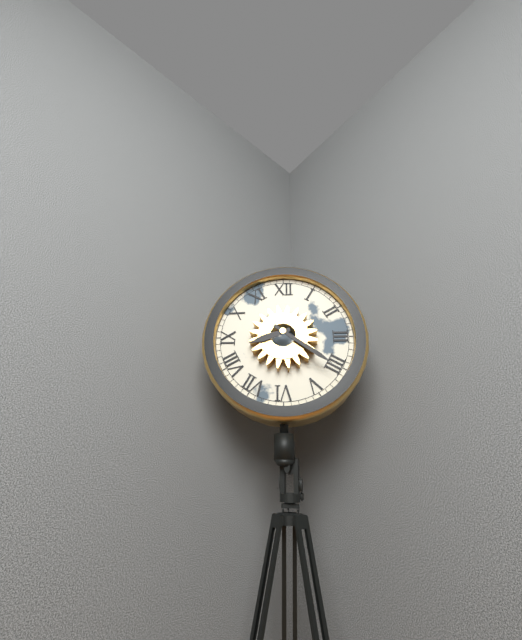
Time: **8:21**
